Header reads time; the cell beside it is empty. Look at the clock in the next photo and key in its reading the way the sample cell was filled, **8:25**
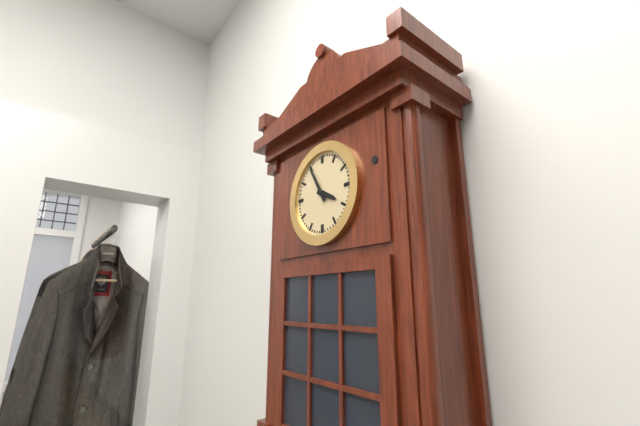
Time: **3:55**
